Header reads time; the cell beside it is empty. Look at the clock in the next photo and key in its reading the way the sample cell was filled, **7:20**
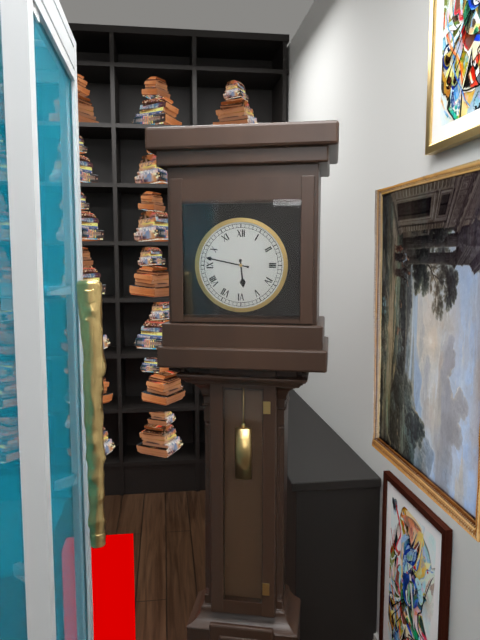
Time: **5:47**
